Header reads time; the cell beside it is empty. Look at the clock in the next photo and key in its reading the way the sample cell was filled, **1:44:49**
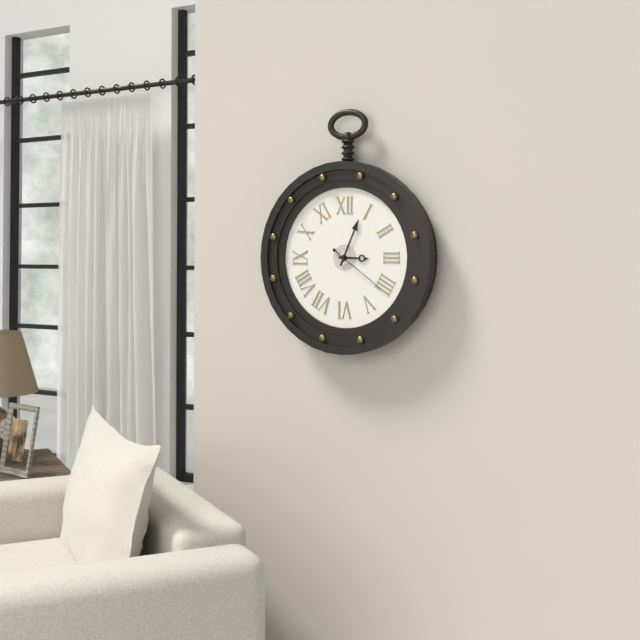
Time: **3:04:21**
